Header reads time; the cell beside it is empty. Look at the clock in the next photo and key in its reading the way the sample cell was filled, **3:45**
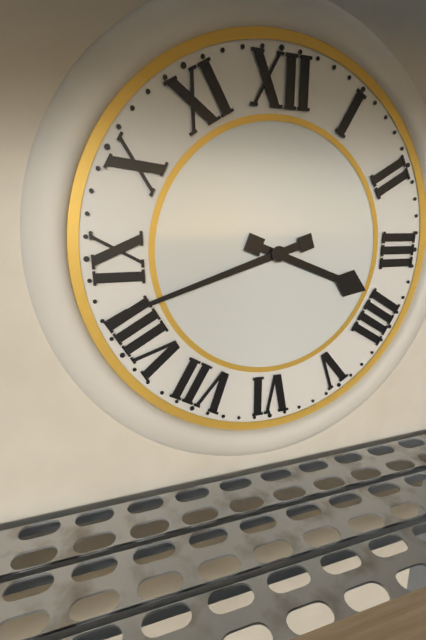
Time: **3:42**
